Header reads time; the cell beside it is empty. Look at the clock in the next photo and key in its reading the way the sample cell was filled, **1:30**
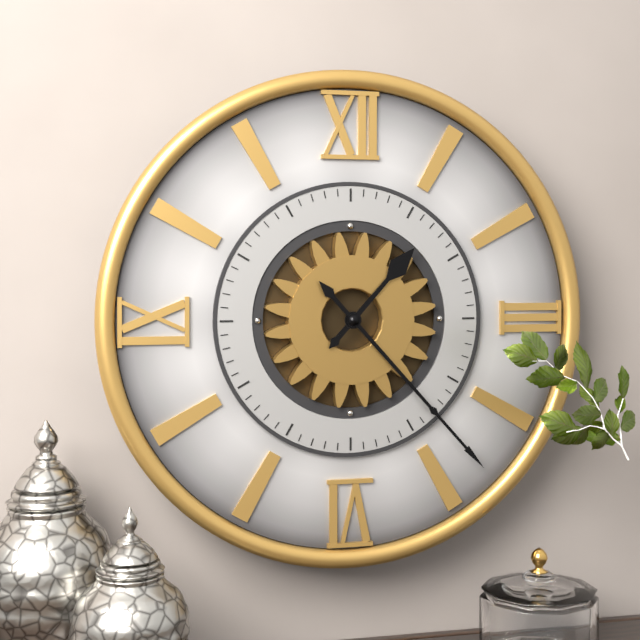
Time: **1:23**
